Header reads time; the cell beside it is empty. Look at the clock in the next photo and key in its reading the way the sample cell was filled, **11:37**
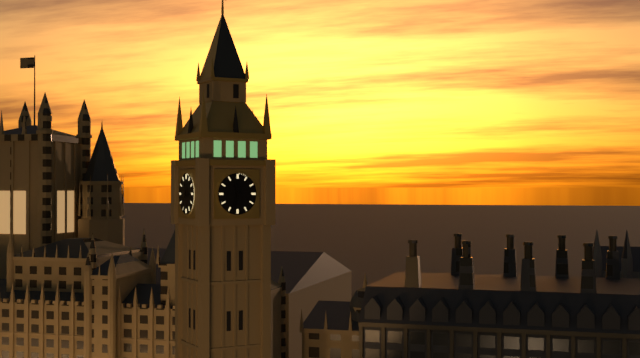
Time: **11:33**
